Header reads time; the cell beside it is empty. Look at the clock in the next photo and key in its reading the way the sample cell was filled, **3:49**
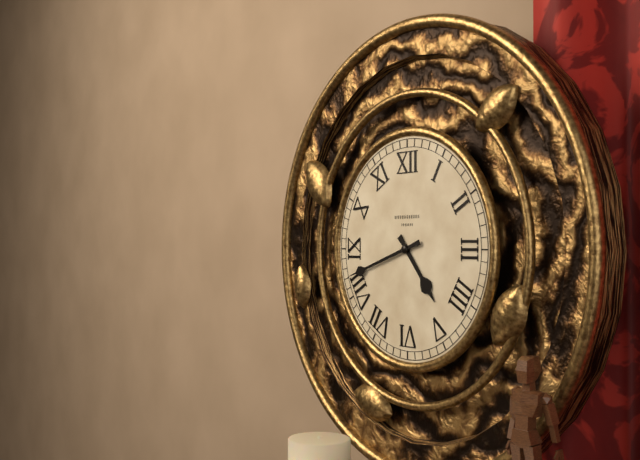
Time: **4:42**
